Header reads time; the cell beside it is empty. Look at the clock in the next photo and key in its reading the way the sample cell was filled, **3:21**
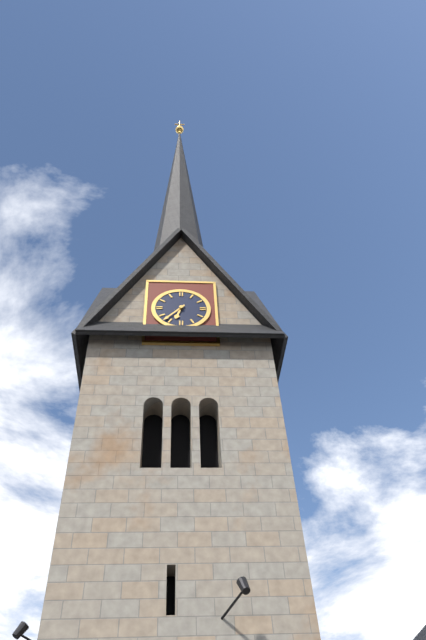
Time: **6:37**
